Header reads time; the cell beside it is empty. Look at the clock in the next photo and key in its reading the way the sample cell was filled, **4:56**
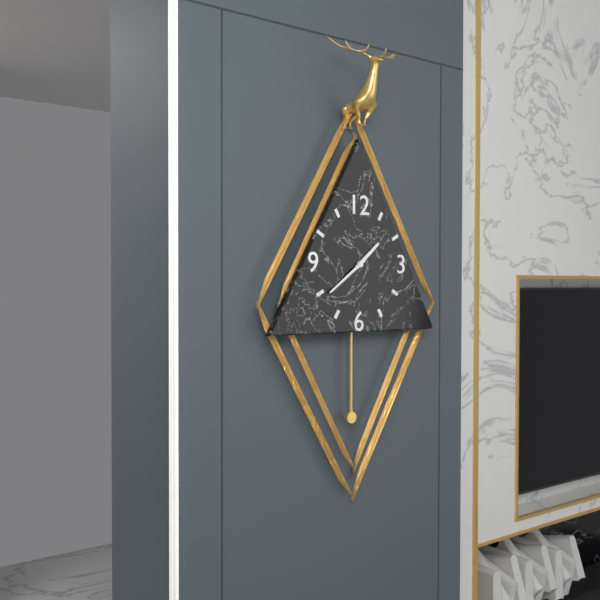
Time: **1:39**
